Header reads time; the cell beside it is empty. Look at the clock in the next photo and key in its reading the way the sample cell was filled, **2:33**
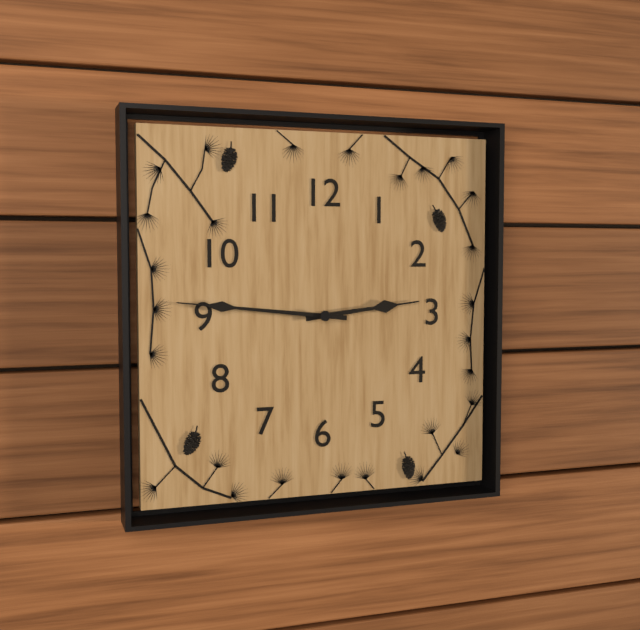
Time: **2:46**
